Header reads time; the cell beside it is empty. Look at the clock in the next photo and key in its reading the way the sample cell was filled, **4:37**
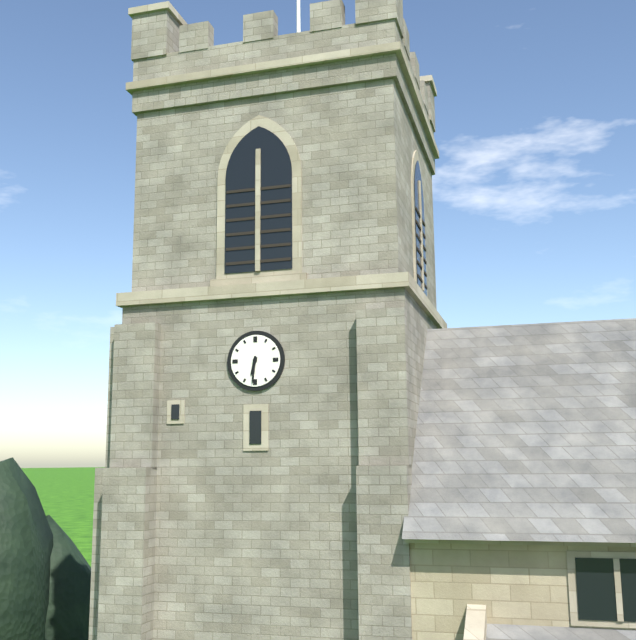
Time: **6:31**
